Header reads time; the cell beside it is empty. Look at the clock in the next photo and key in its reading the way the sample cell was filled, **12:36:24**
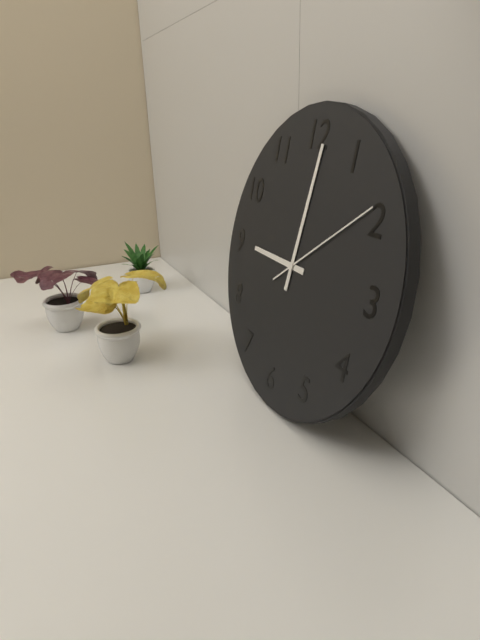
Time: **9:01:09**
